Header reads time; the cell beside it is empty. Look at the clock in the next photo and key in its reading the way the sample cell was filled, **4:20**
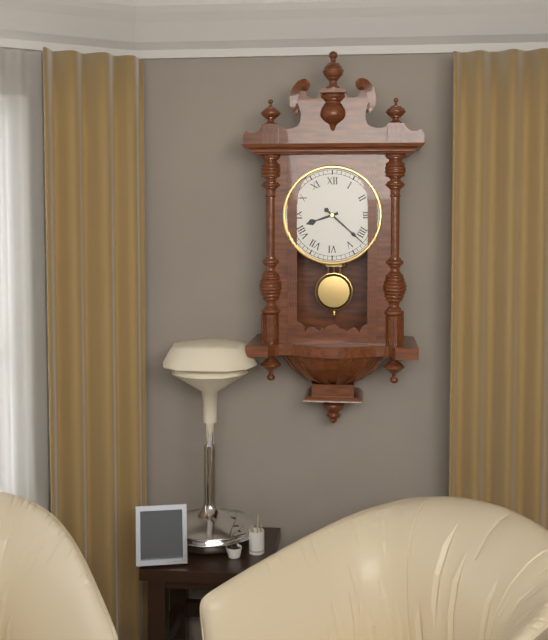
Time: **8:22**
